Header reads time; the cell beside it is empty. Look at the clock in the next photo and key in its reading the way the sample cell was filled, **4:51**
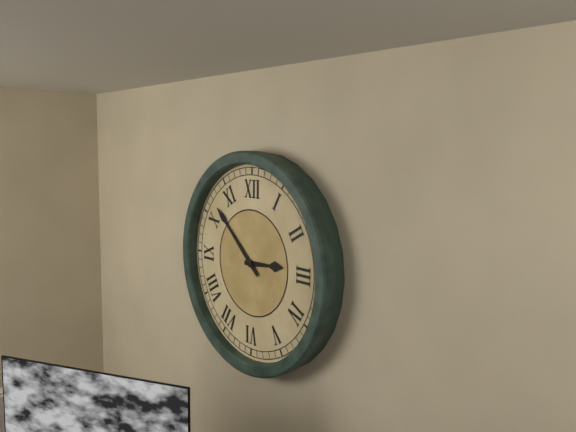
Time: **2:52**
